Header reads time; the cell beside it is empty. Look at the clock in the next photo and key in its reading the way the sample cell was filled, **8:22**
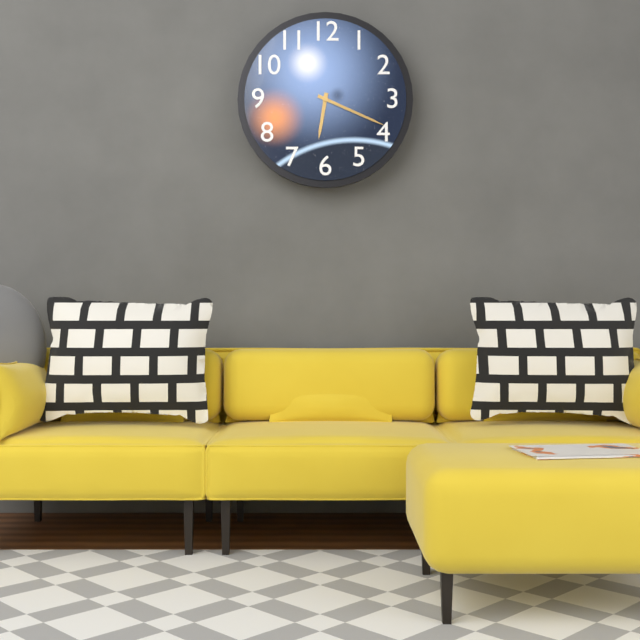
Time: **6:19**
